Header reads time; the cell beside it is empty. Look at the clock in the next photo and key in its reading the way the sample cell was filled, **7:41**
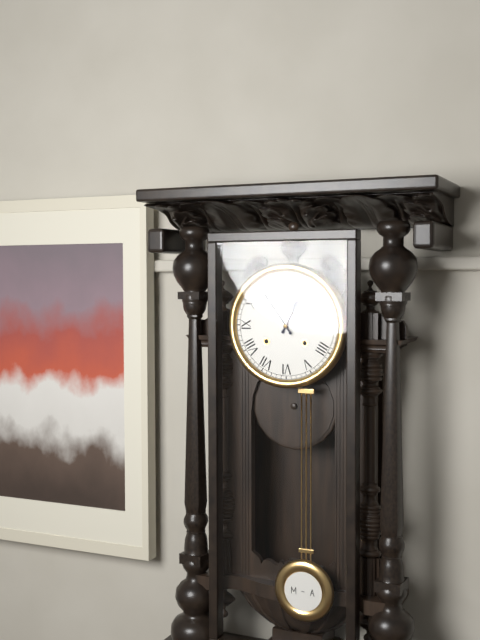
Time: **12:54**
